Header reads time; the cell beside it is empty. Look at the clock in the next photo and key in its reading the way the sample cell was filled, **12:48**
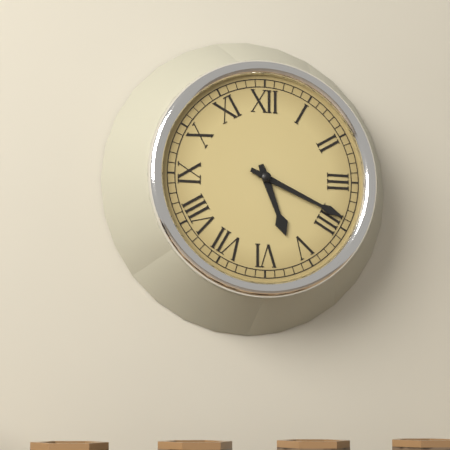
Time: **5:19**
